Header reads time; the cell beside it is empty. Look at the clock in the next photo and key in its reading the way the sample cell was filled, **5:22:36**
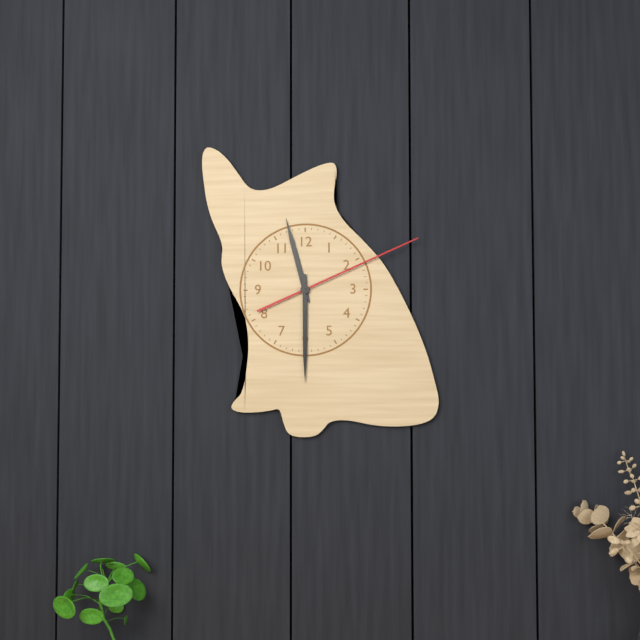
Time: **11:30:11**
